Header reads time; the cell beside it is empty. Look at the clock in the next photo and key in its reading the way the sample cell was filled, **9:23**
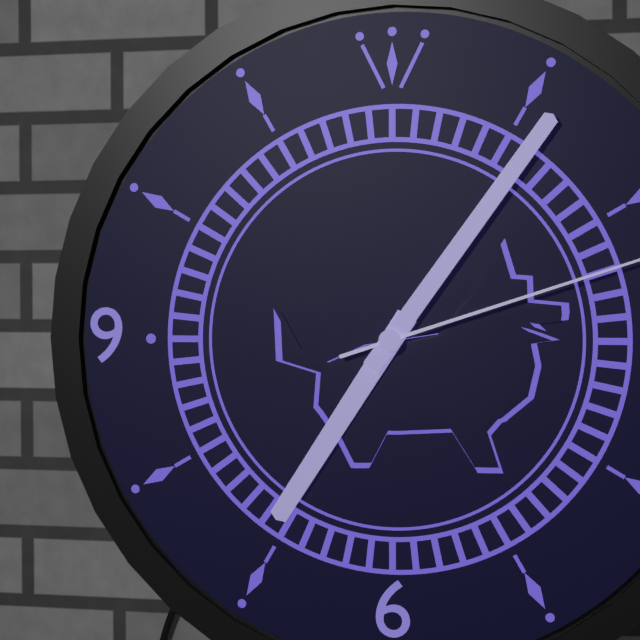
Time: **7:06**
